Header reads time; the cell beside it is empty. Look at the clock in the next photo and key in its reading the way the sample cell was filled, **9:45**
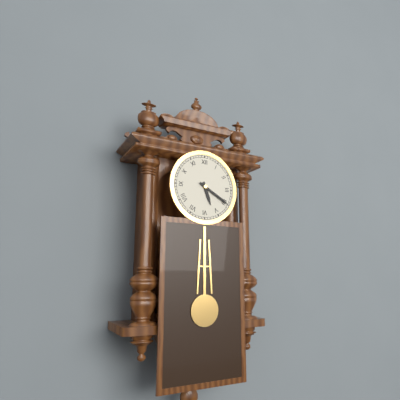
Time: **5:20**
